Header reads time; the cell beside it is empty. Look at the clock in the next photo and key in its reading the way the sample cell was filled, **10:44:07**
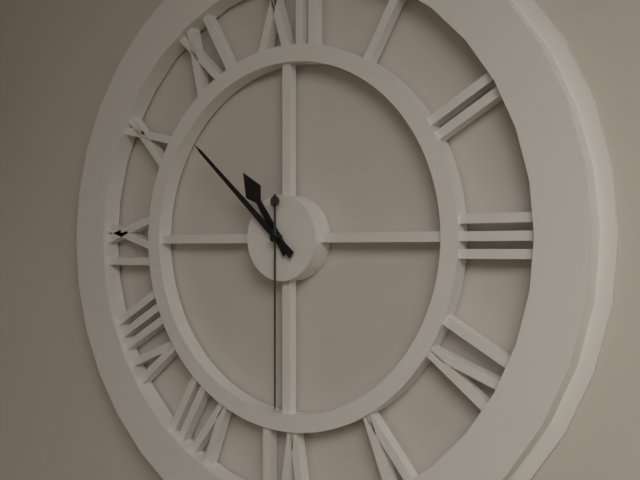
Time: **10:52:30**
